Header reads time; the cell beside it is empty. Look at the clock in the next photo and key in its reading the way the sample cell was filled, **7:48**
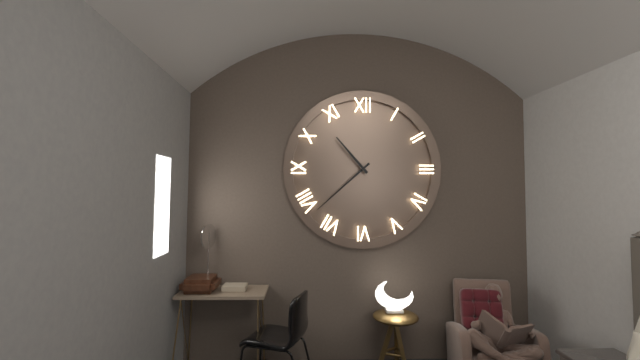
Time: **10:38**
